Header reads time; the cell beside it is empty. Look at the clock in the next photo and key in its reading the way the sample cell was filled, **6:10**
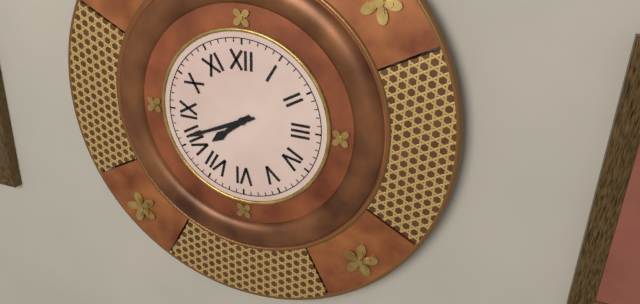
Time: **7:41**
